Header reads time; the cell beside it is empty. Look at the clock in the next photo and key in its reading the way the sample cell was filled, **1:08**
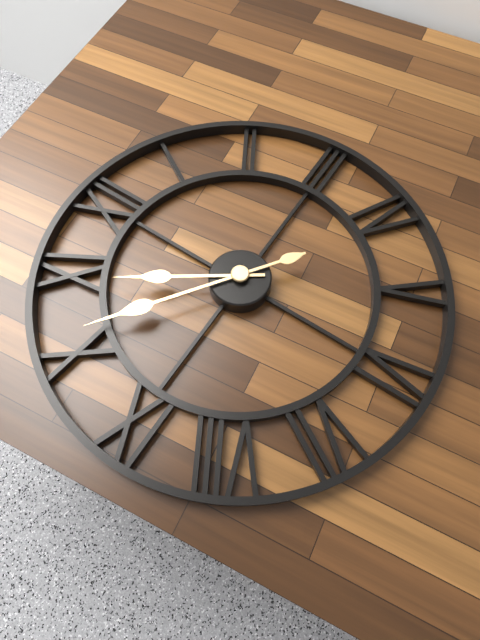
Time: **10:51**
